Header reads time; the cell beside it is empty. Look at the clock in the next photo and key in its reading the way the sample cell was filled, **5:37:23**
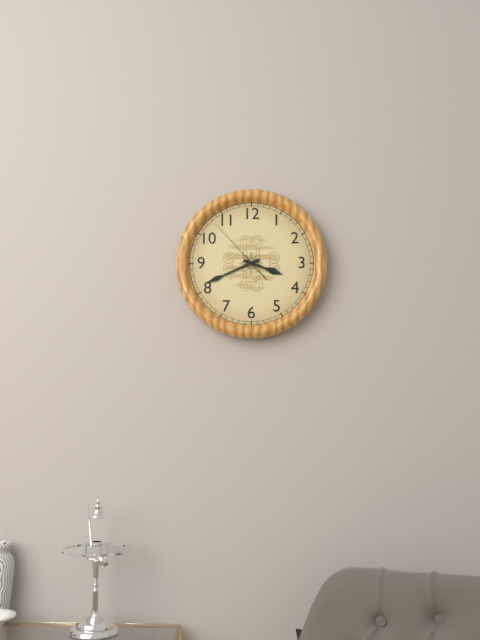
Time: **3:41:53**
